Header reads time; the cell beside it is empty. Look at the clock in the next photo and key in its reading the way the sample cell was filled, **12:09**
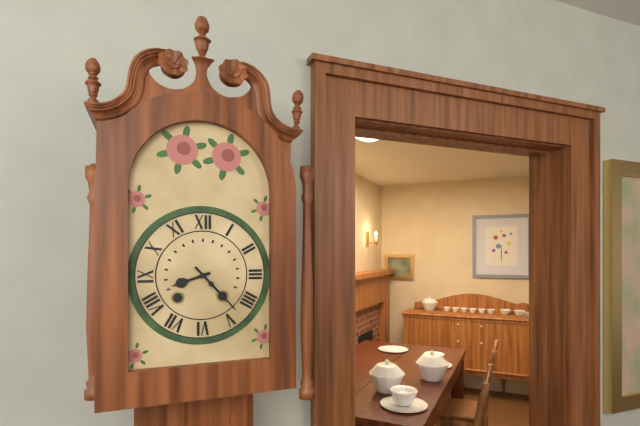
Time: **8:23**
